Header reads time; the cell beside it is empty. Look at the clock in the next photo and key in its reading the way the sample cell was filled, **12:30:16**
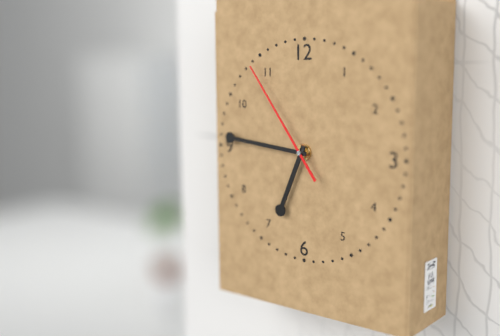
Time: **6:46:54**
